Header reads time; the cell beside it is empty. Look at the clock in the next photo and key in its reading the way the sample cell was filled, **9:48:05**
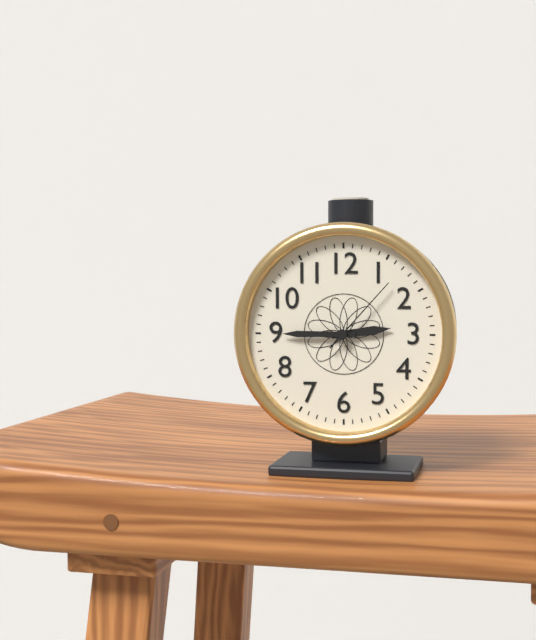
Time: **2:45:07**
